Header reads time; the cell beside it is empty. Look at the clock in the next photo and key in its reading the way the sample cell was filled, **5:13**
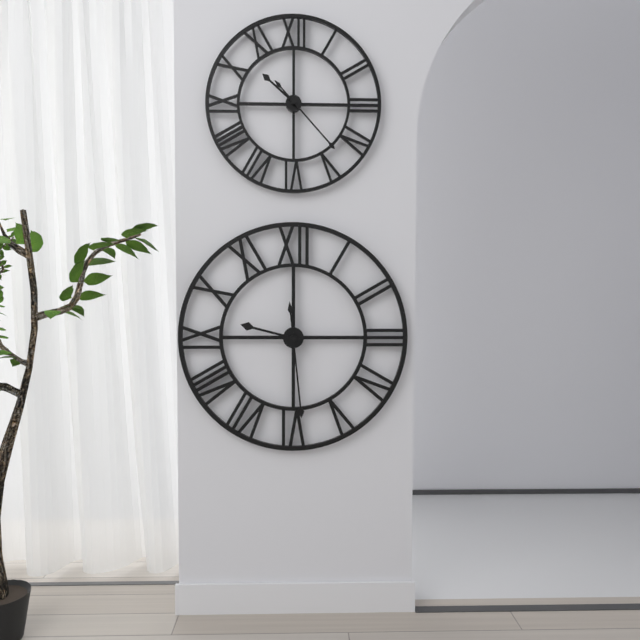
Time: **9:29**
